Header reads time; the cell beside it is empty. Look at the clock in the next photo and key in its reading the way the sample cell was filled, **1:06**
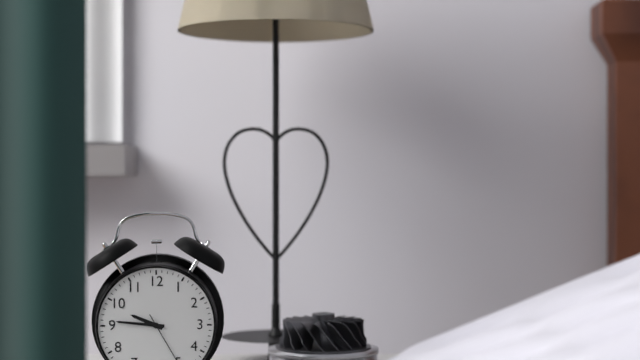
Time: **9:46**
